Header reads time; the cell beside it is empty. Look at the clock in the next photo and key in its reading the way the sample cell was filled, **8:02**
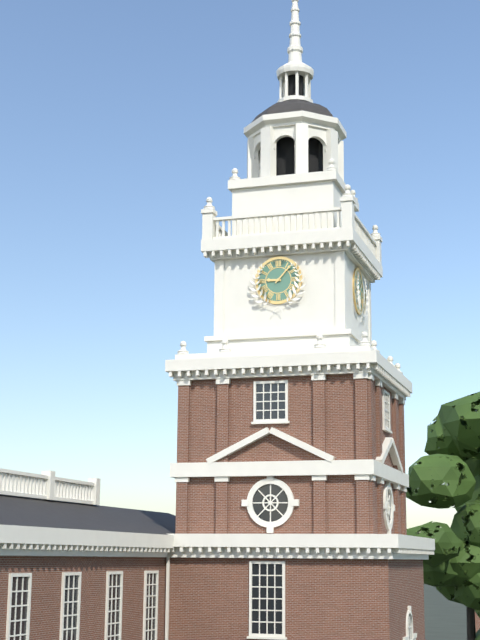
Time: **9:07**
